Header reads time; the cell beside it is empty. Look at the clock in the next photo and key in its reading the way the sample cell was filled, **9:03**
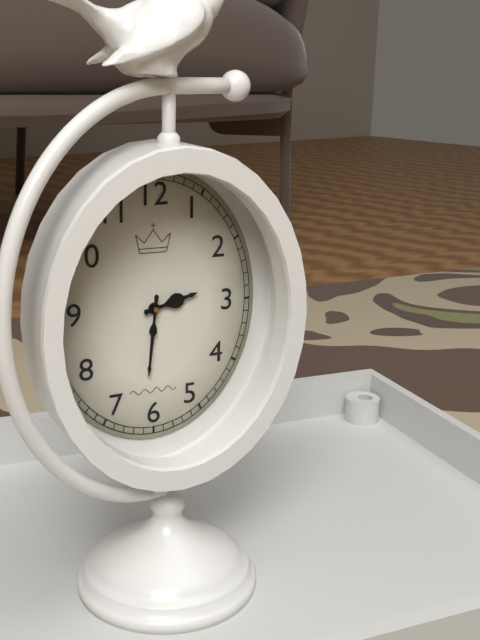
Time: **2:31**
